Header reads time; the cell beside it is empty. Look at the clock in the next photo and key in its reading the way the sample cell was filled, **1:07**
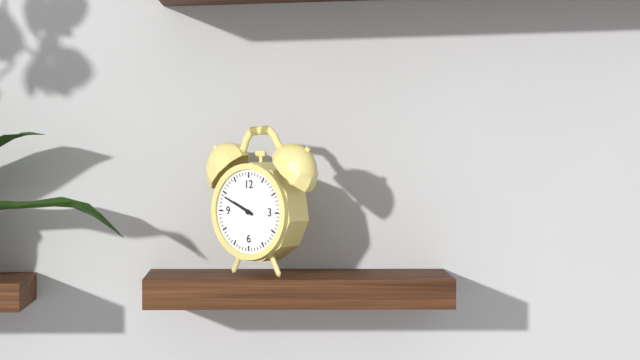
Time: **9:49**
